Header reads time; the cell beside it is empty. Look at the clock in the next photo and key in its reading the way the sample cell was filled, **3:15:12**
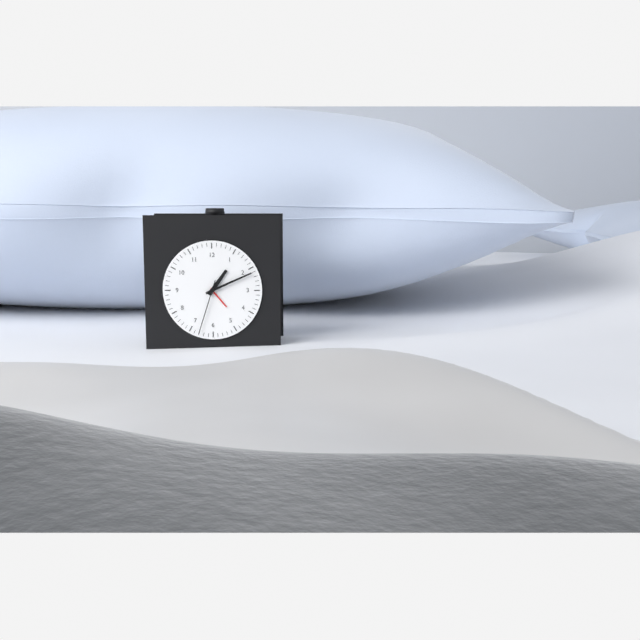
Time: **1:11:33**
